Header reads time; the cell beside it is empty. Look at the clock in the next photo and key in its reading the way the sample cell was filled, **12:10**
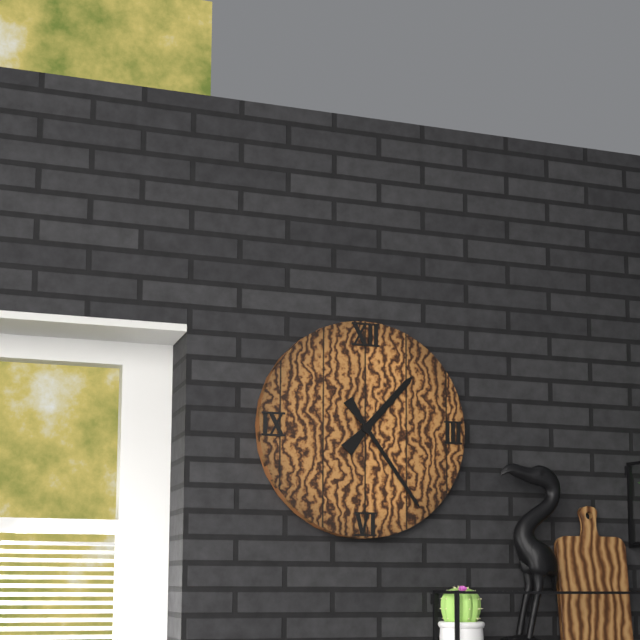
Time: **1:24**
